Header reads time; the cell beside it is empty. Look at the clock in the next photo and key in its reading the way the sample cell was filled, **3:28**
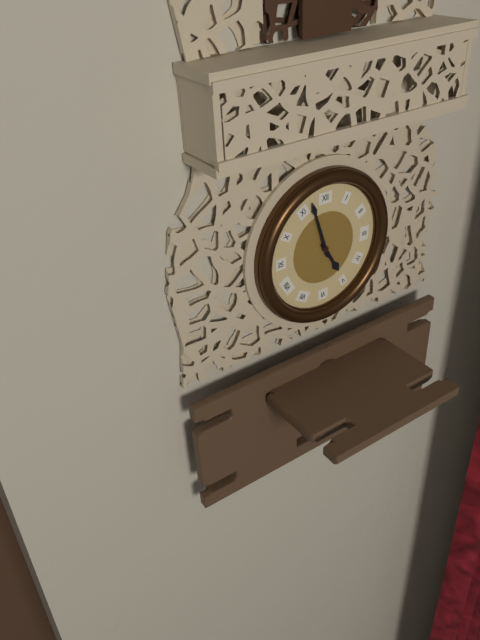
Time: **4:57**
